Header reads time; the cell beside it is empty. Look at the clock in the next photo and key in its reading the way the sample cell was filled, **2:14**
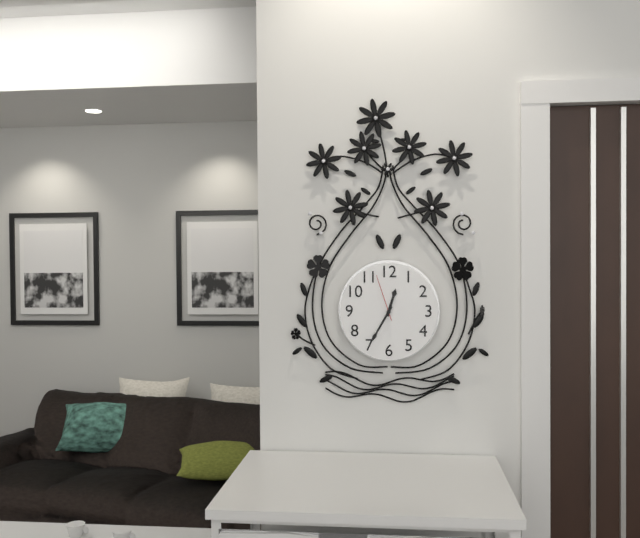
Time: **12:35**
